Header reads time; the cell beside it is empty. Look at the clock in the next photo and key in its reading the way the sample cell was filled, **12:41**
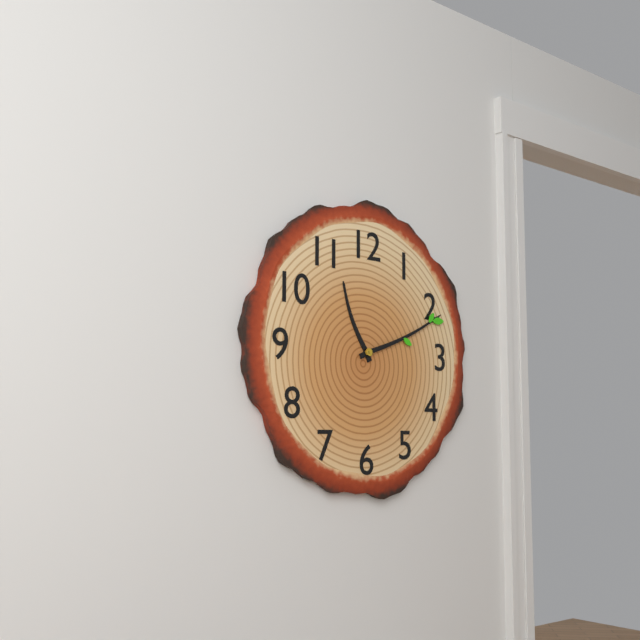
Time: **11:11**
